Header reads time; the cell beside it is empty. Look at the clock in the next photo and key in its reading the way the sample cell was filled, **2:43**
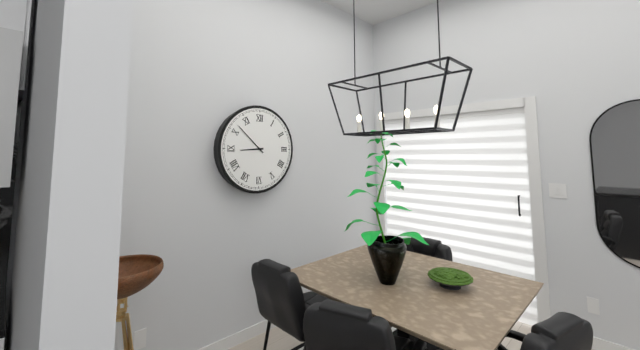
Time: **8:52**
